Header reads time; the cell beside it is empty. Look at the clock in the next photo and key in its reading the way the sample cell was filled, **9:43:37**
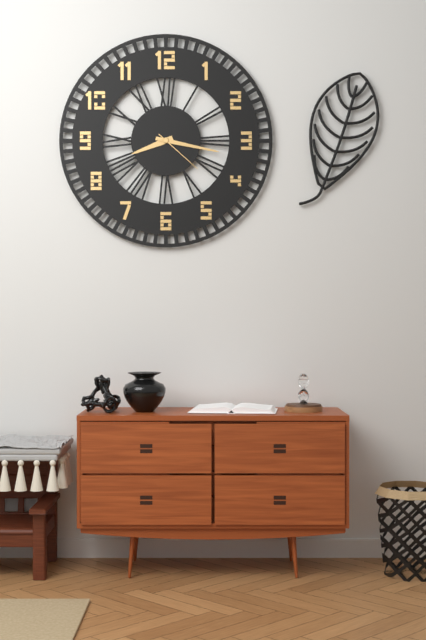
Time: **8:17:22**
